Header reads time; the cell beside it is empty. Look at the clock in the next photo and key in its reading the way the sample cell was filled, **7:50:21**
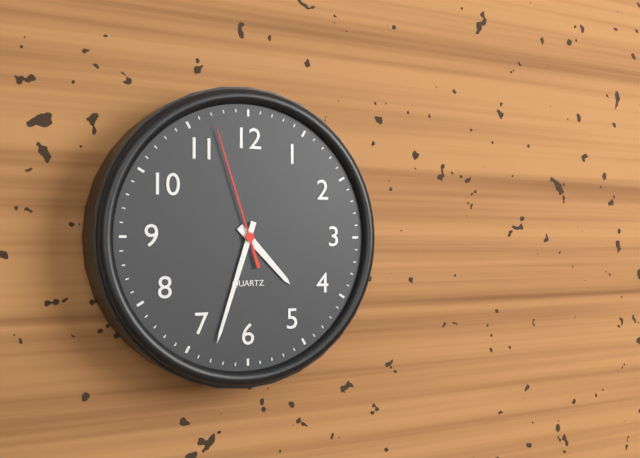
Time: **4:33:57**
